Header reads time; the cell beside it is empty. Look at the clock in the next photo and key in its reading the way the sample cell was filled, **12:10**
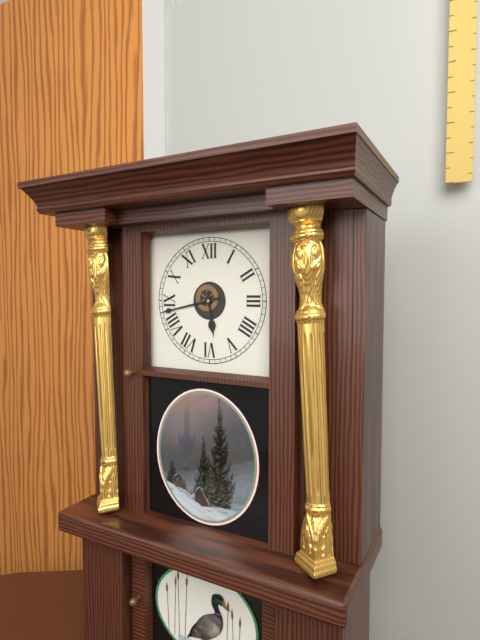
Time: **5:43**
